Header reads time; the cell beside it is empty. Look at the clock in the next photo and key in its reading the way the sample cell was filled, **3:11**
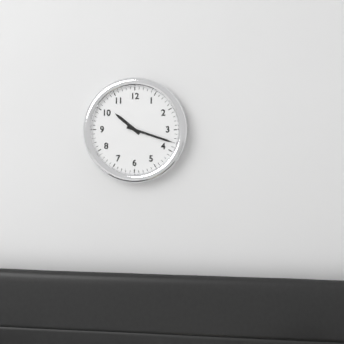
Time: **10:18**
